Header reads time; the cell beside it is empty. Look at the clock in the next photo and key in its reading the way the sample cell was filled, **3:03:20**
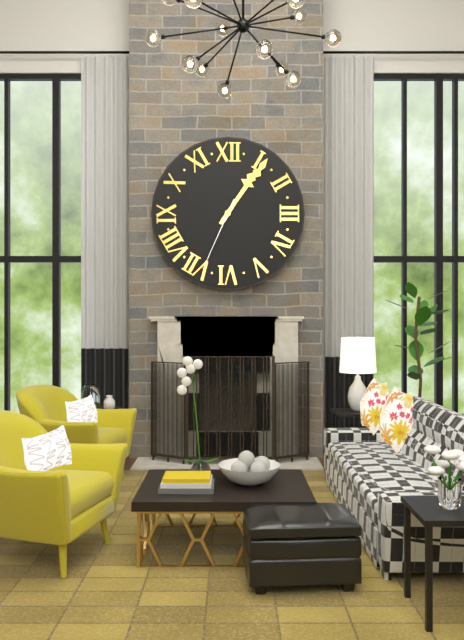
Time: **1:06:34**
